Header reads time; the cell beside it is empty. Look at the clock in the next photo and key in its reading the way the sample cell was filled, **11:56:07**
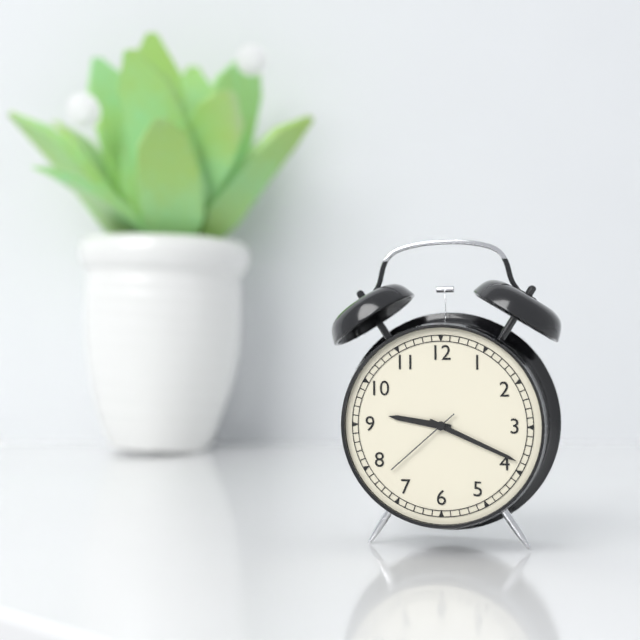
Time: **9:19:38**
